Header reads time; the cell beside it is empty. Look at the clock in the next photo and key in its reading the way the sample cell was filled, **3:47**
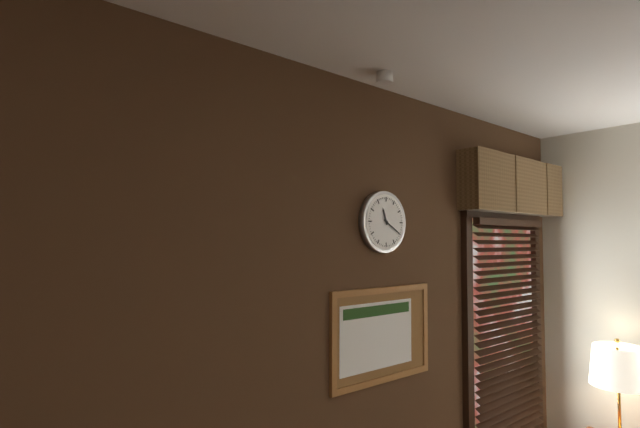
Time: **11:20**
